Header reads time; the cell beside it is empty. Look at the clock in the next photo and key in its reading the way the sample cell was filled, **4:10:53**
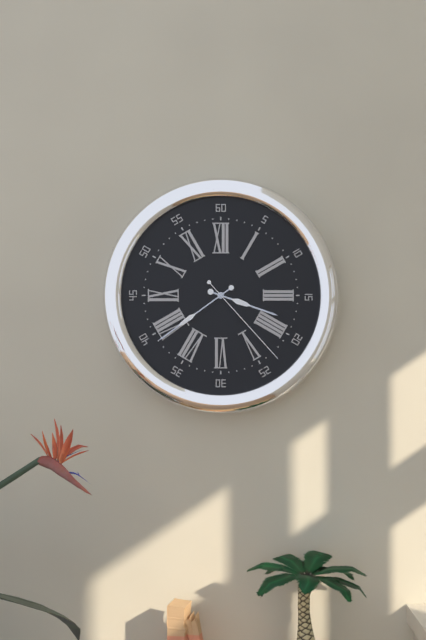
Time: **3:39:23**
